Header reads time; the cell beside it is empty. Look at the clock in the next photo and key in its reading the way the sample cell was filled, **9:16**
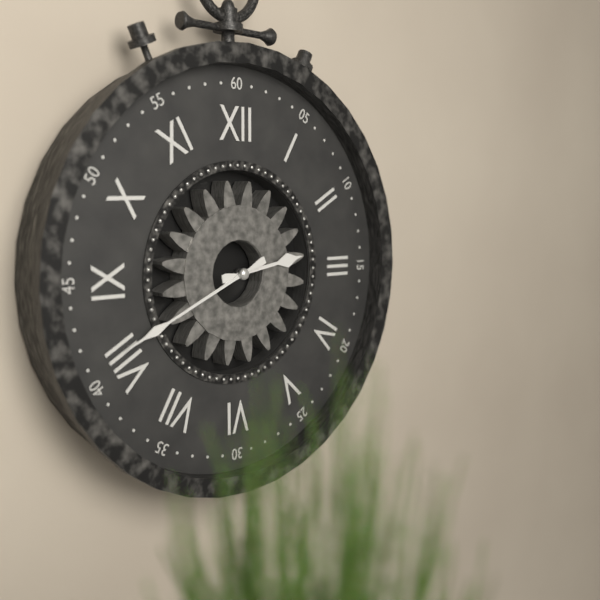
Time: **2:41**
